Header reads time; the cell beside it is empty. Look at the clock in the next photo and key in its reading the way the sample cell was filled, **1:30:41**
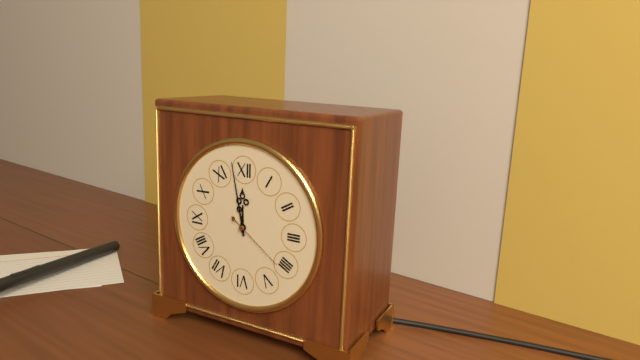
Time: **11:58:21**
